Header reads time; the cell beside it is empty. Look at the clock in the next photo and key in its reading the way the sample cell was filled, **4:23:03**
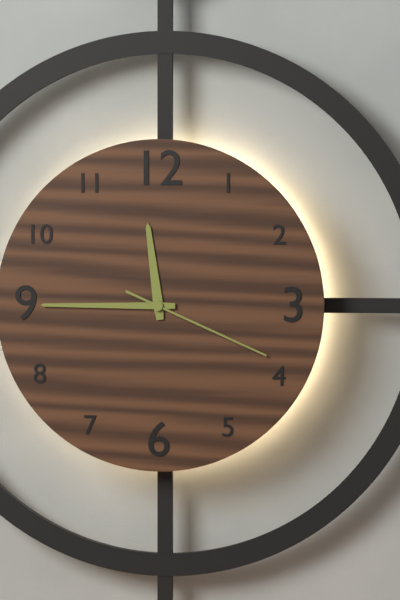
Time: **11:45:19**
